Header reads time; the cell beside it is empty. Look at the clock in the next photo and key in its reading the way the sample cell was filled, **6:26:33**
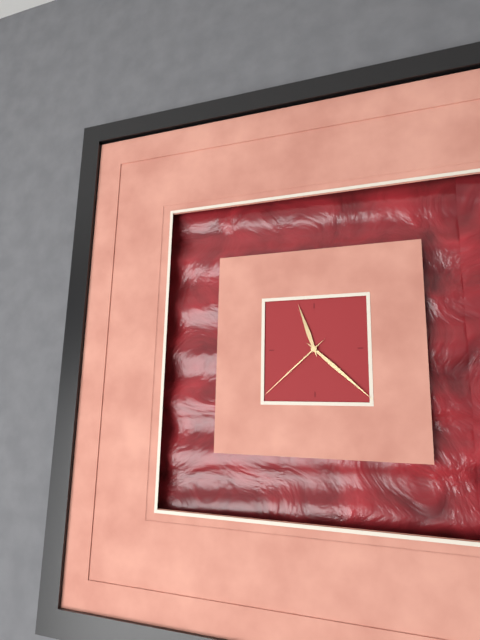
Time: **11:22:38**
